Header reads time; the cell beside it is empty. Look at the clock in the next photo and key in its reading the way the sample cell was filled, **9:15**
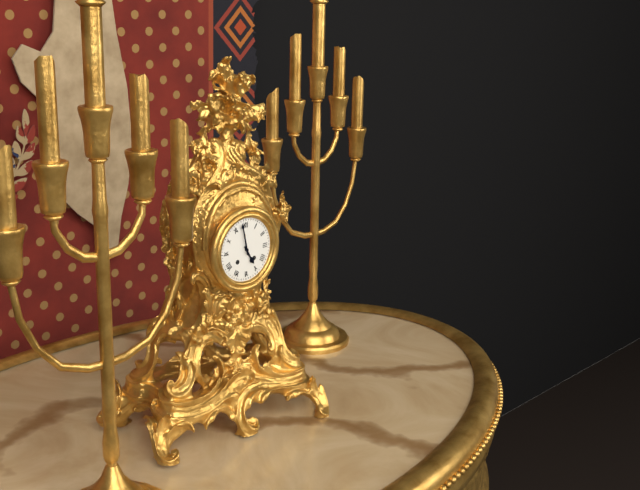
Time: **4:58**
